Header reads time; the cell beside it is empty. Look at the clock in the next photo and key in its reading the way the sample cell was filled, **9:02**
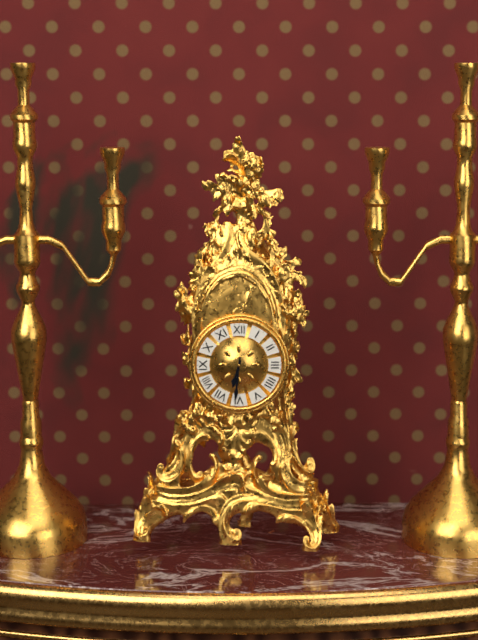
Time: **6:31**
